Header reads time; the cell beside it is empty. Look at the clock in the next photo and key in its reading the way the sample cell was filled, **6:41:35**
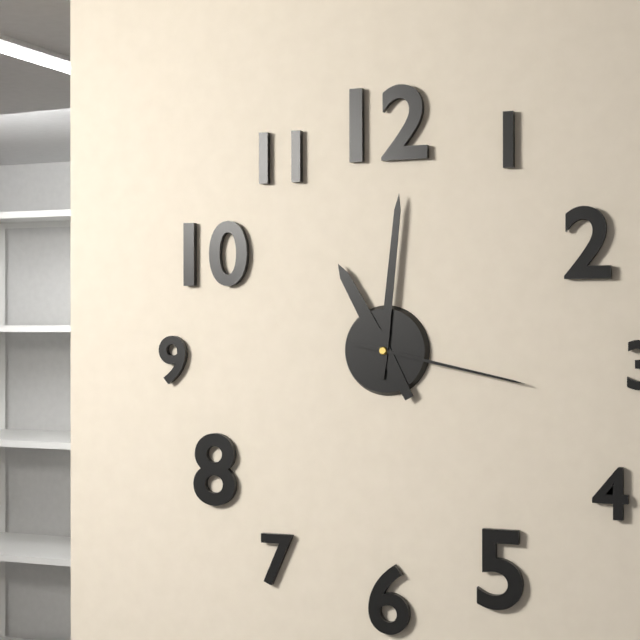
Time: **11:01:17**
